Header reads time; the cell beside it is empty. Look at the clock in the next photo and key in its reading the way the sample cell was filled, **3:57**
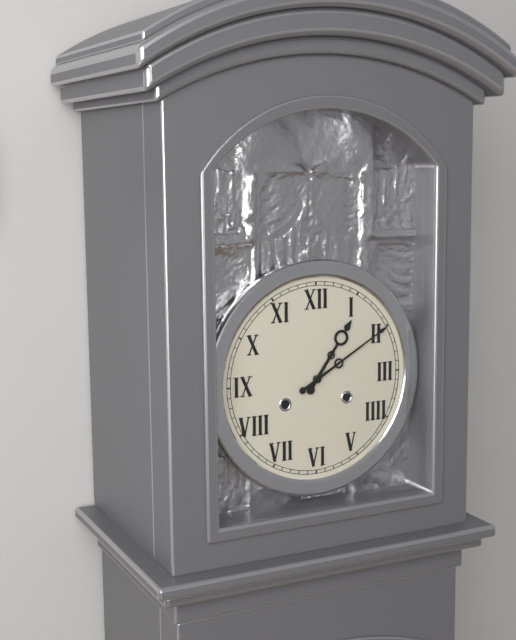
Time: **1:10**
